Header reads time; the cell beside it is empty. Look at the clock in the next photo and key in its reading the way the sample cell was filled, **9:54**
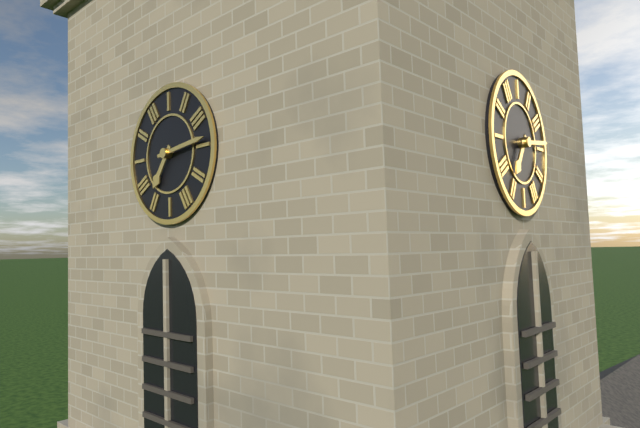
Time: **7:14**
